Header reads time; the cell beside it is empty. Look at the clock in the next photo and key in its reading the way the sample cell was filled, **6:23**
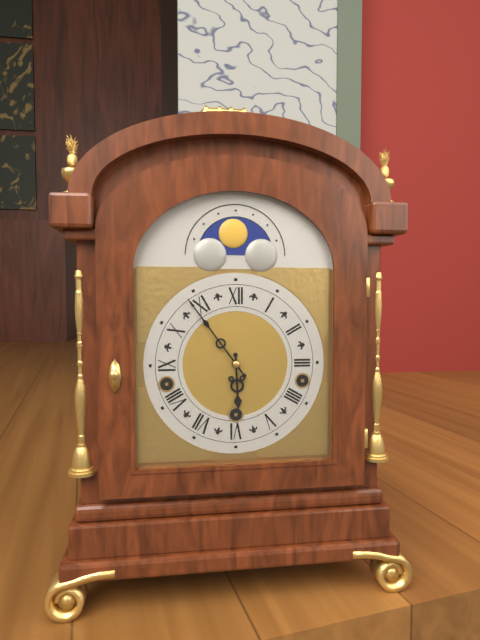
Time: **5:54**
